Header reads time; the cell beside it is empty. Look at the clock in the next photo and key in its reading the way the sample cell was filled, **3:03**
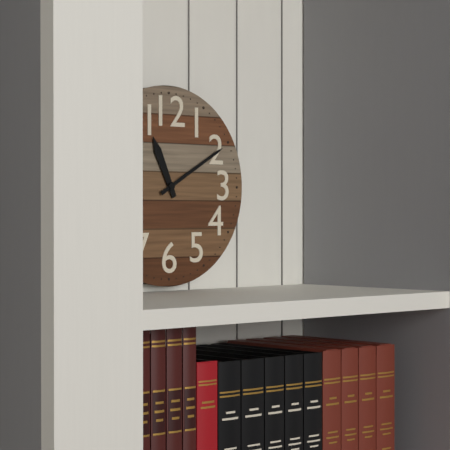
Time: **11:10**
